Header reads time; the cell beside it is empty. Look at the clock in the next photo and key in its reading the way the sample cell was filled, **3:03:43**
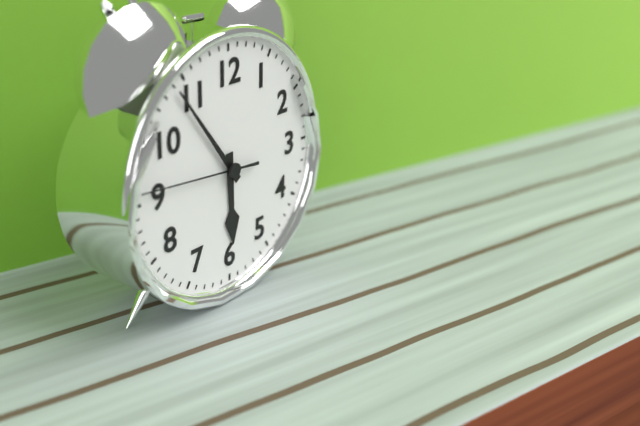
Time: **5:54:46**
